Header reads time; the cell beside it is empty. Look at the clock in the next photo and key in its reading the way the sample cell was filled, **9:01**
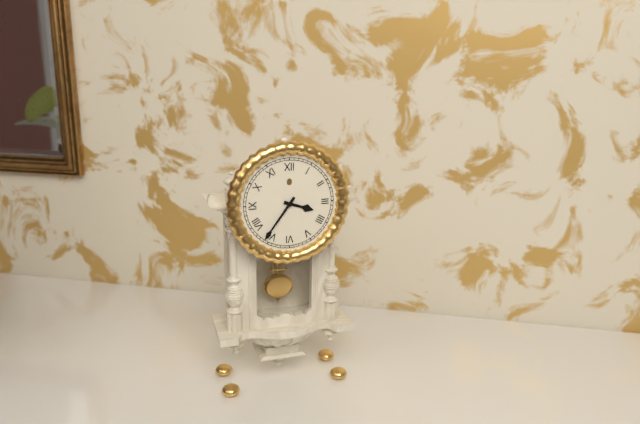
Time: **3:36**
